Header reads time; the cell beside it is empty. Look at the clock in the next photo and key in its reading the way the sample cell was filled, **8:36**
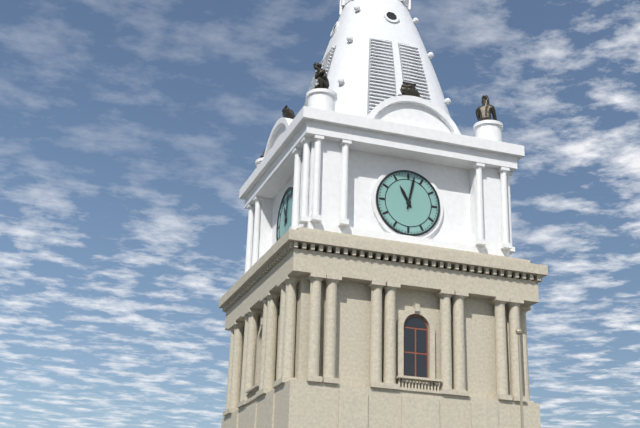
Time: **11:02**
